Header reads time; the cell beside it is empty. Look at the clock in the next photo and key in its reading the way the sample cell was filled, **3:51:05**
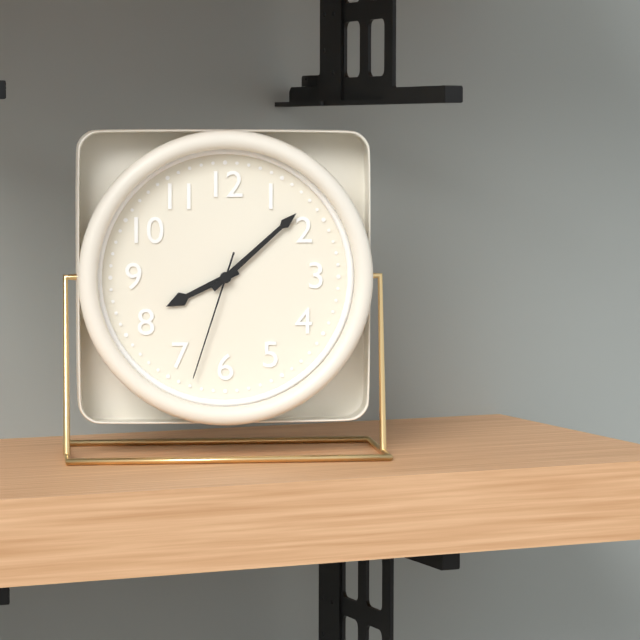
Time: **8:08:33**
